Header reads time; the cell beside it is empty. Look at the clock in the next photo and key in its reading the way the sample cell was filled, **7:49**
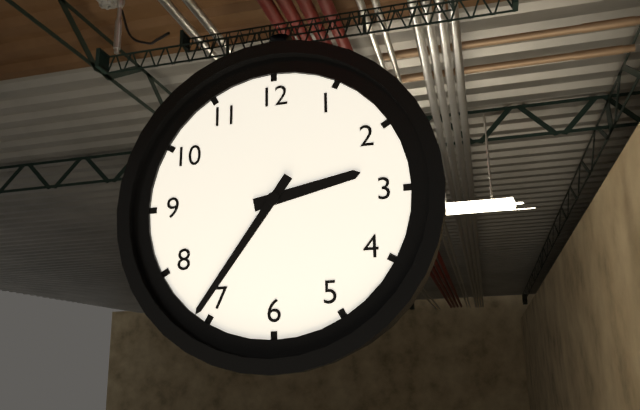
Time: **2:36**
